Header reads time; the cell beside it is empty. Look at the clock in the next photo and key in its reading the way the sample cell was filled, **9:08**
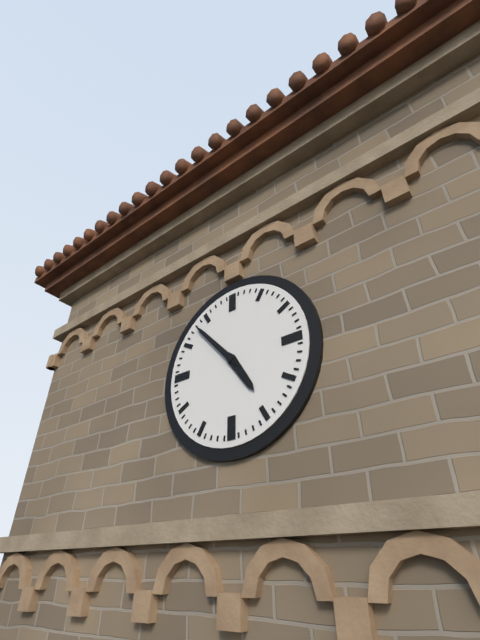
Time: **4:53**
